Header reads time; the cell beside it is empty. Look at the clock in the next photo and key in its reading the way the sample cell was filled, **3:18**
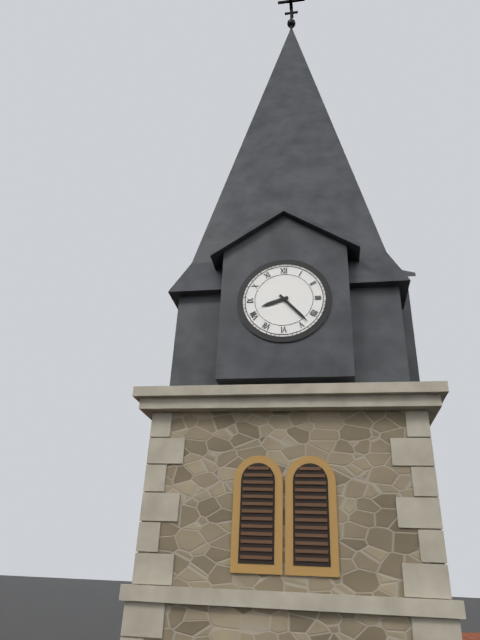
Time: **8:23**
